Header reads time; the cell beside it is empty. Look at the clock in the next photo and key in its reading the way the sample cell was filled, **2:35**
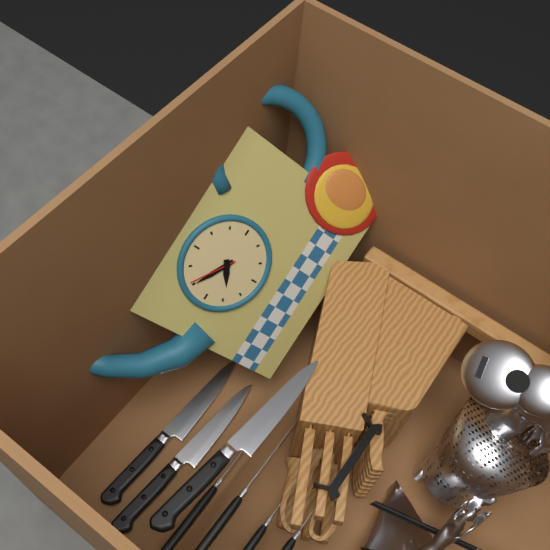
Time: **7:50**
